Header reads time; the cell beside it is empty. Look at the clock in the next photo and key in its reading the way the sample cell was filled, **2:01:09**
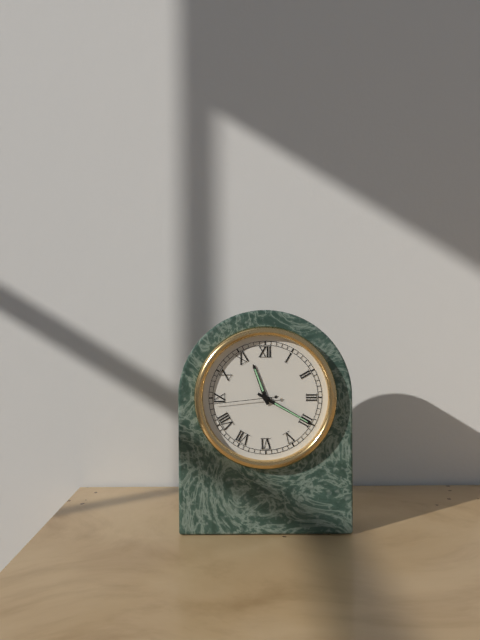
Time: **11:20:44**
